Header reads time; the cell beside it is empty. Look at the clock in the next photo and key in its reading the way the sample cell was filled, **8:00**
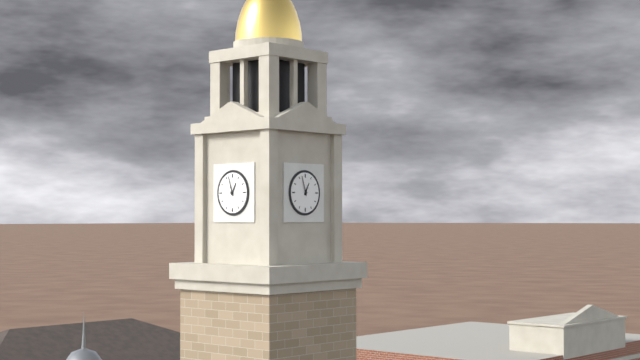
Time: **12:57**
